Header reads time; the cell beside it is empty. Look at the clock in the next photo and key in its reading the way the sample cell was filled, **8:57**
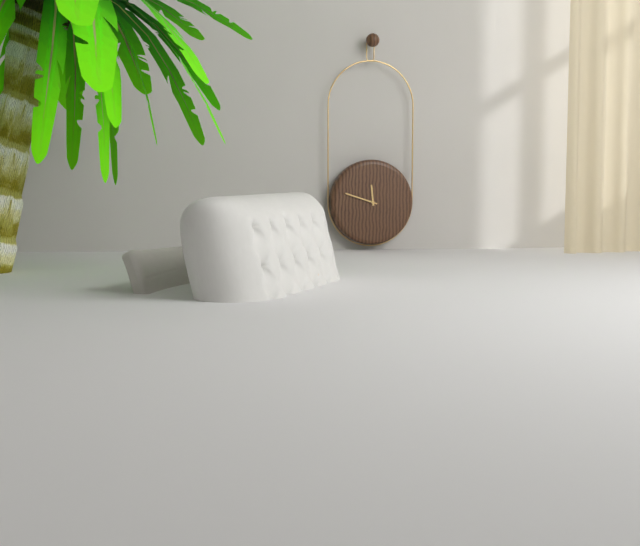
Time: **11:48**
